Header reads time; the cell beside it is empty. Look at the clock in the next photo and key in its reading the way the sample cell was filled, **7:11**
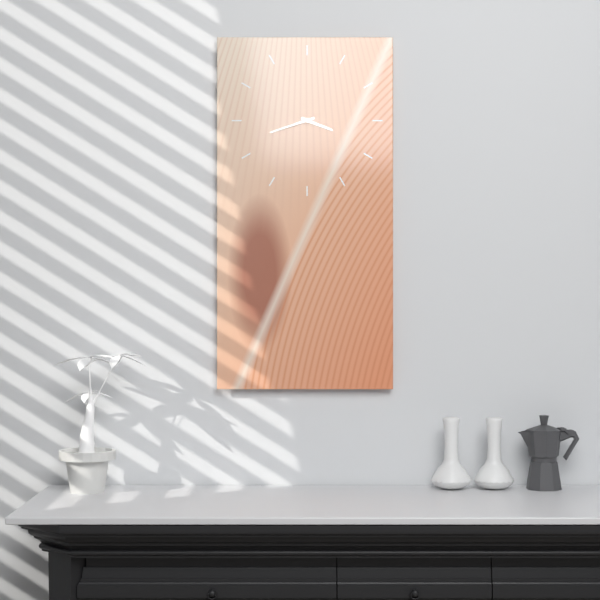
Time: **3:42**
